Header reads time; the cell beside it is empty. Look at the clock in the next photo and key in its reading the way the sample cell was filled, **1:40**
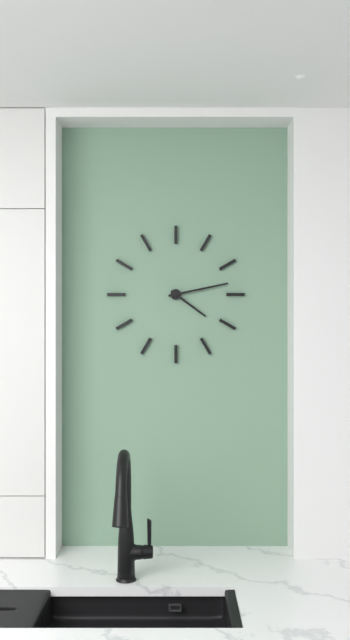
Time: **4:13**
